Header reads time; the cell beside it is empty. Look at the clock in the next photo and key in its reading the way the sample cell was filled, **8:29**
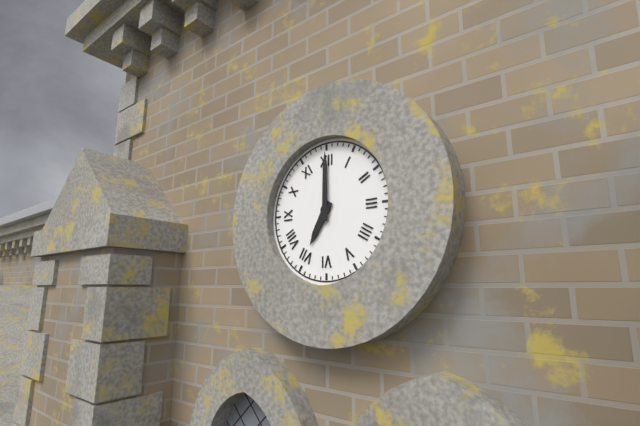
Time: **7:00**
